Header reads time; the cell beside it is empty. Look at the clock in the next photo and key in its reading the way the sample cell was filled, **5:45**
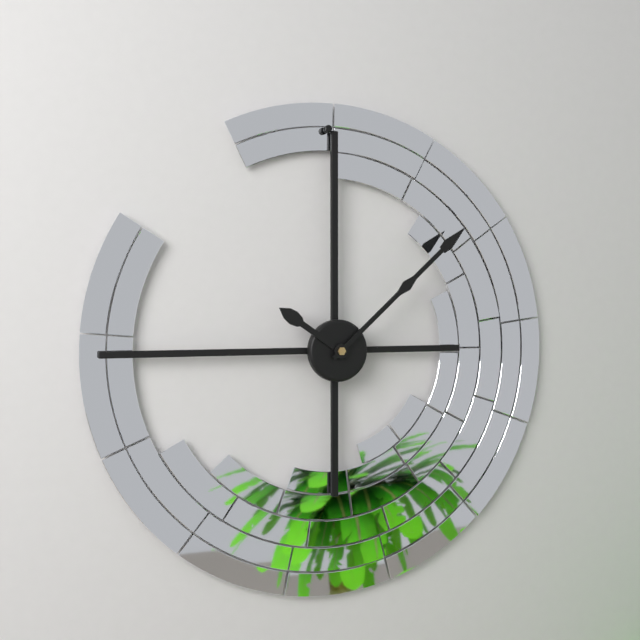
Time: **10:08**
